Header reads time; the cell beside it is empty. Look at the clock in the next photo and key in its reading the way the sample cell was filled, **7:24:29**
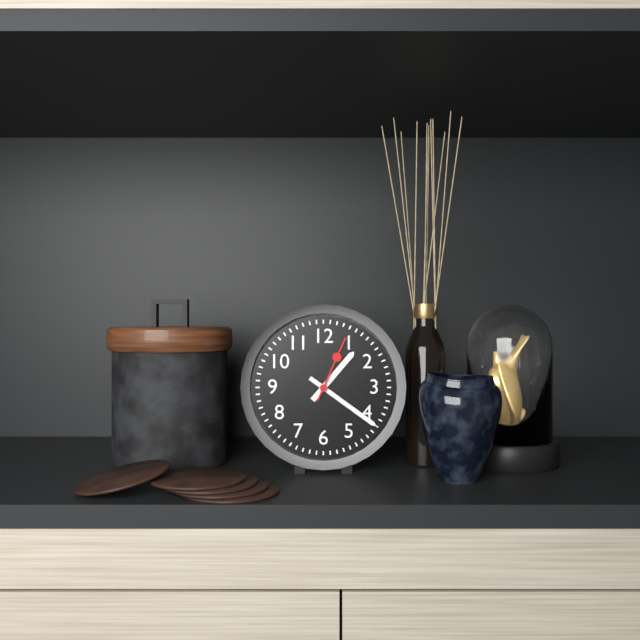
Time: **1:21:04**
